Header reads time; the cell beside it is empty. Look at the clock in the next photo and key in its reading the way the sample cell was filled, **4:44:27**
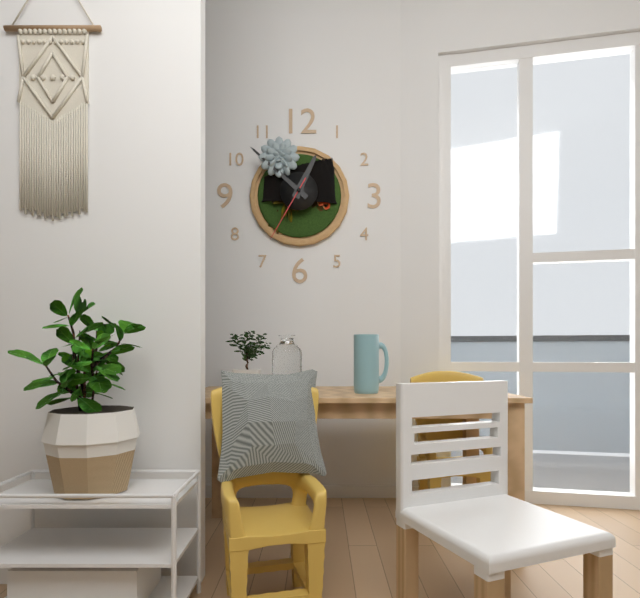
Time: **12:52:35**
